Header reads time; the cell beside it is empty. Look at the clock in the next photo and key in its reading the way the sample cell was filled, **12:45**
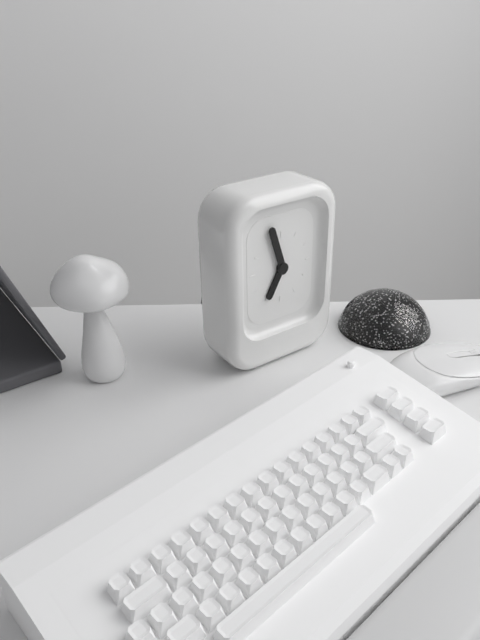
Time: **6:57**
